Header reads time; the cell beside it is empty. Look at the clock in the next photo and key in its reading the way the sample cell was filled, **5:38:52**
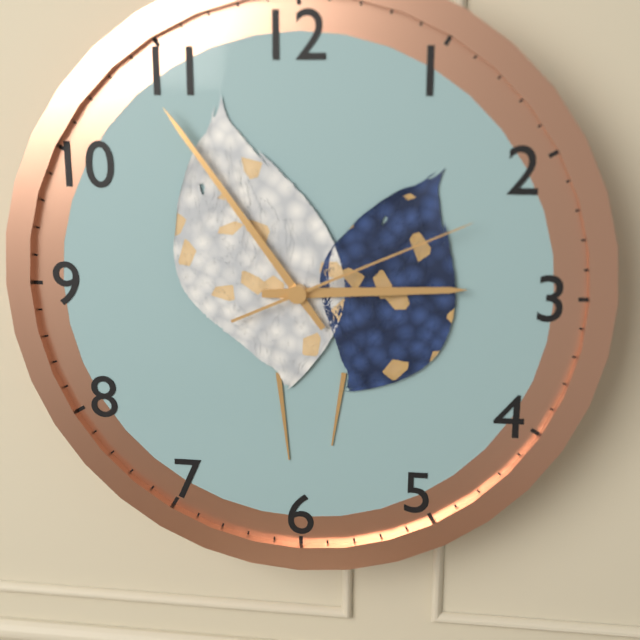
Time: **2:54:11**
